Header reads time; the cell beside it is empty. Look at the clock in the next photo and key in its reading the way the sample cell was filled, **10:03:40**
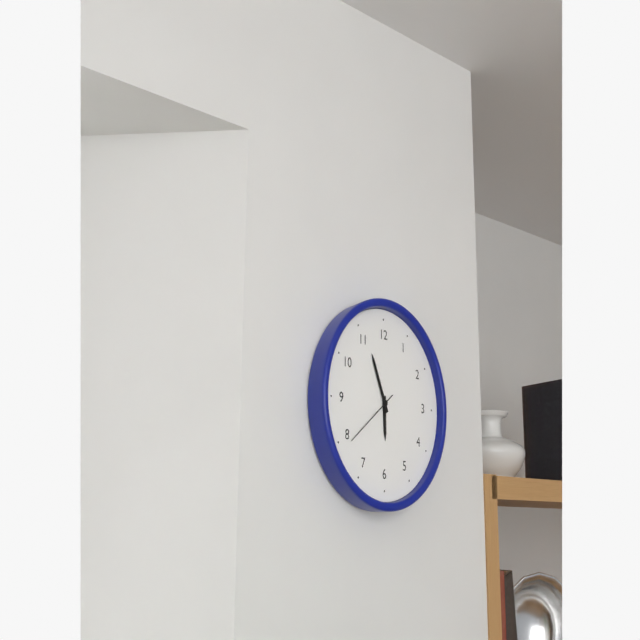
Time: **5:56:39**
